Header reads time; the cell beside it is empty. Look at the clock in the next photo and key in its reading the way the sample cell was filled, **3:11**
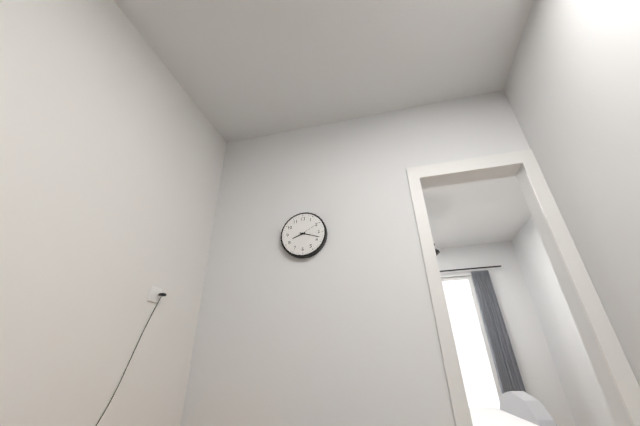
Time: **8:18**
